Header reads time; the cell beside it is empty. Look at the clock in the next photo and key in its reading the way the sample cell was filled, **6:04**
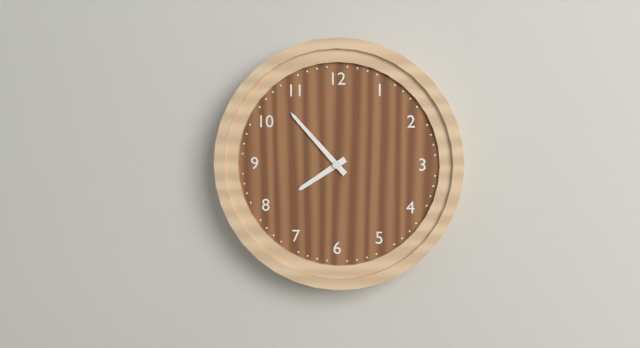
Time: **7:53**
